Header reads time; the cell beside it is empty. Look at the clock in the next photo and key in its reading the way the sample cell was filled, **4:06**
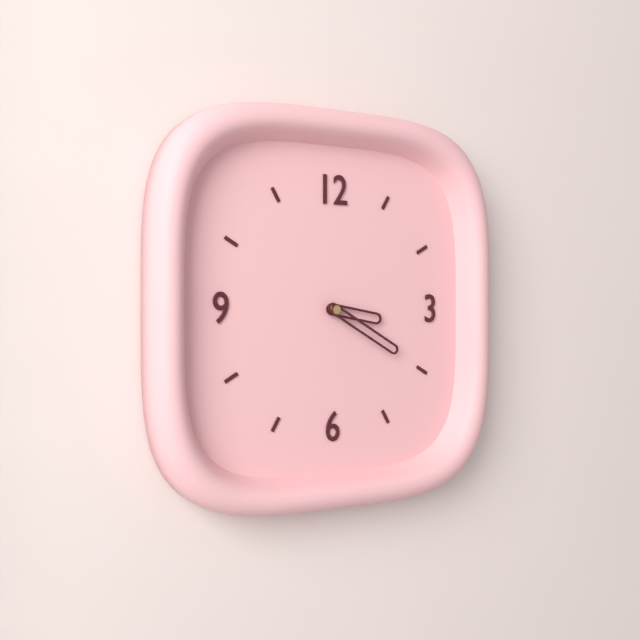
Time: **3:20**
